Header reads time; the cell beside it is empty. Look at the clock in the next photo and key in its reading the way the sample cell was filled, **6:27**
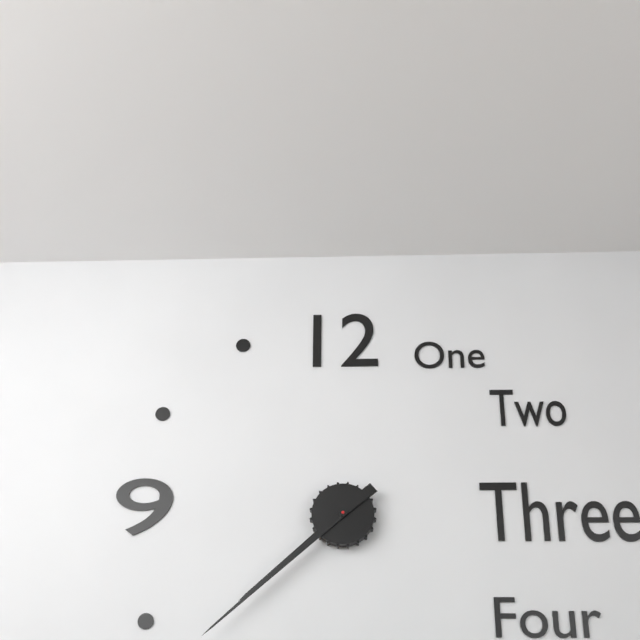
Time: **7:38**
